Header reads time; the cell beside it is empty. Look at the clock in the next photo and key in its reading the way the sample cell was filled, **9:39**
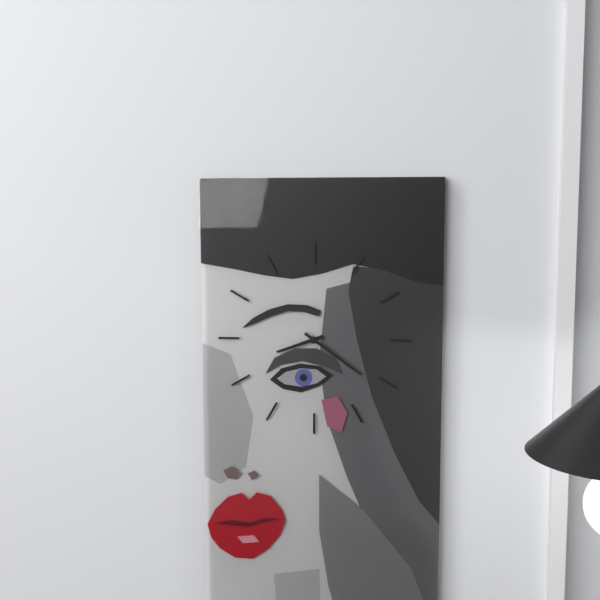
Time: **8:21**
